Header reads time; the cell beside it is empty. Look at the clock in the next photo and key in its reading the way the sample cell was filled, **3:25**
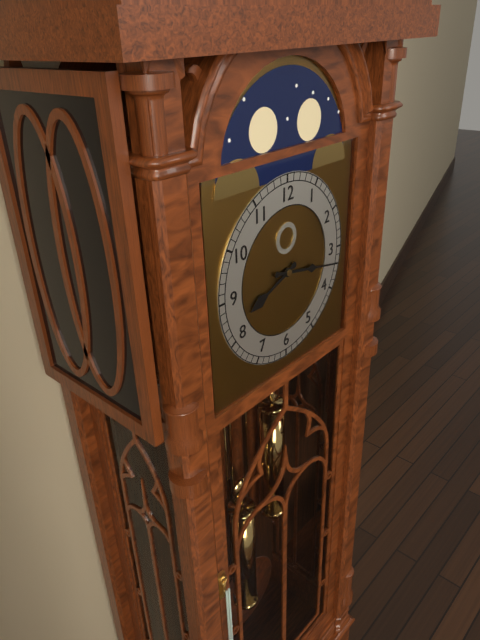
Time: **8:17**
